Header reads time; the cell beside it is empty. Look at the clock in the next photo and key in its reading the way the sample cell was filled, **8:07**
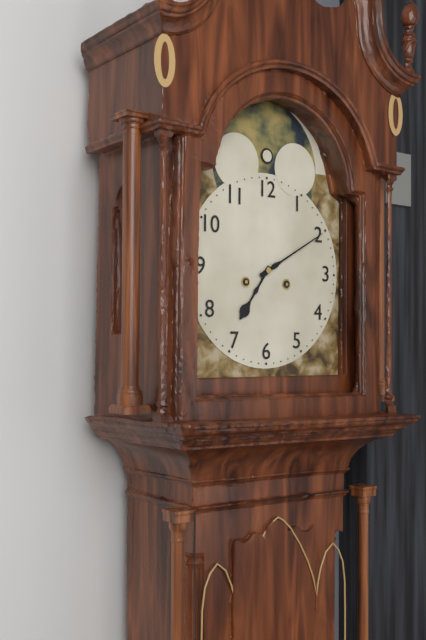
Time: **7:10**
